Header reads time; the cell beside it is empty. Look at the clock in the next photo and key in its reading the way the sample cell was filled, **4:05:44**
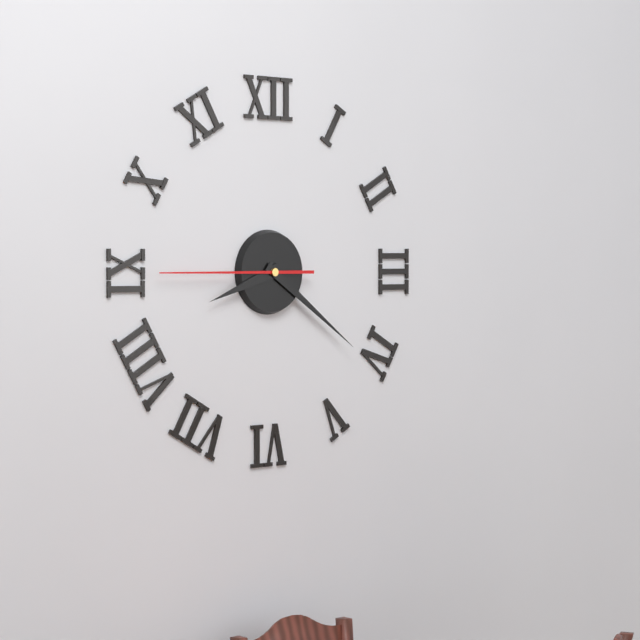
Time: **8:21:45**
